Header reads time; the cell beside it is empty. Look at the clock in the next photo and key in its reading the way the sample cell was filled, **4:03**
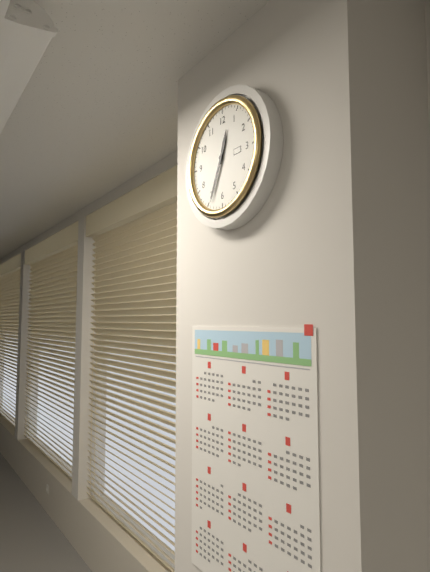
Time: **12:34**
